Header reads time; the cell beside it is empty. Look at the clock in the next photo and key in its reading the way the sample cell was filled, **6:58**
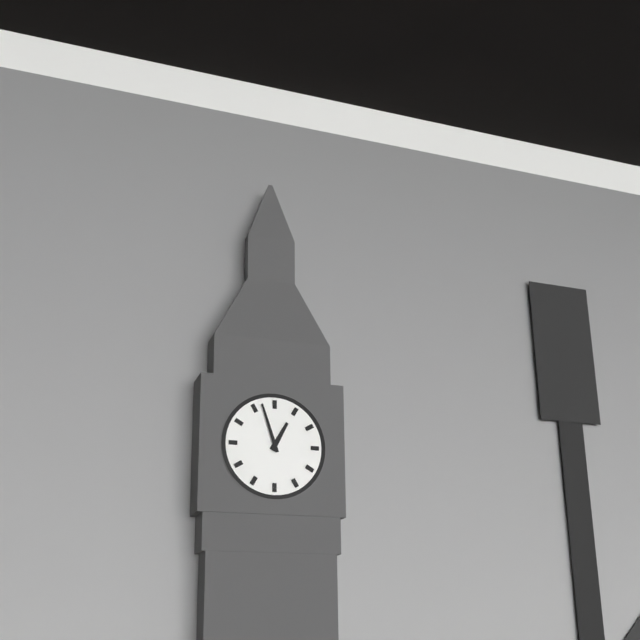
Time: **12:57**
